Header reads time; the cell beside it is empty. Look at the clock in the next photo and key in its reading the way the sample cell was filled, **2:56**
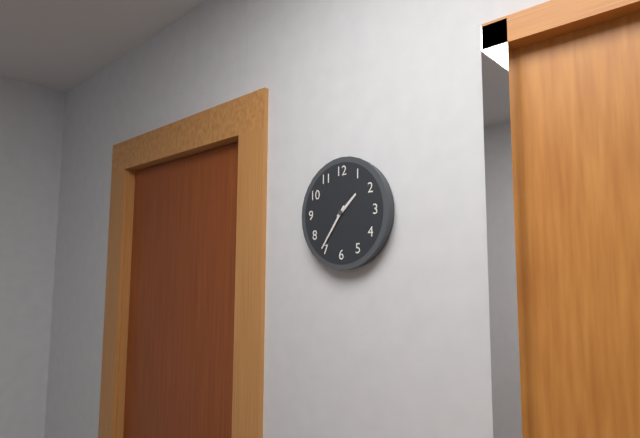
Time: **1:36**
